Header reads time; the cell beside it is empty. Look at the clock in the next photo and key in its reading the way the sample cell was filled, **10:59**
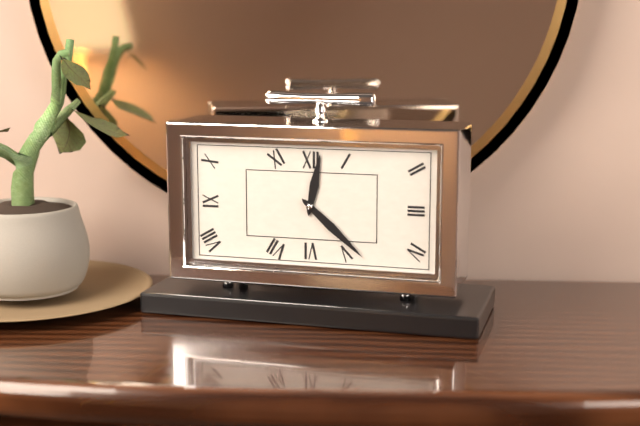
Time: **12:22**
